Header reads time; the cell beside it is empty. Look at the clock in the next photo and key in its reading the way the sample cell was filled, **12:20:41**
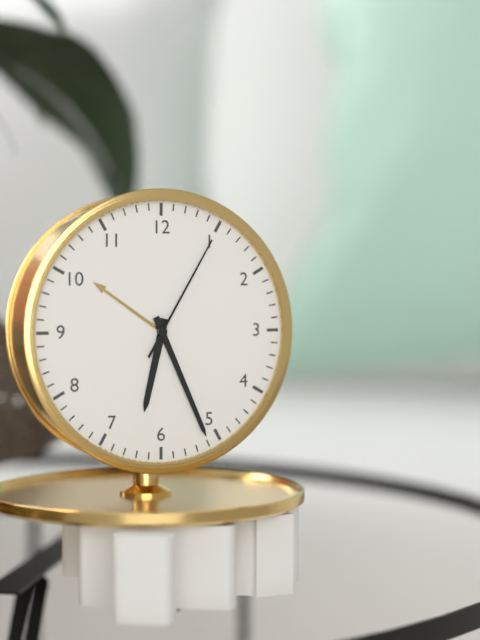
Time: **6:26:05**
